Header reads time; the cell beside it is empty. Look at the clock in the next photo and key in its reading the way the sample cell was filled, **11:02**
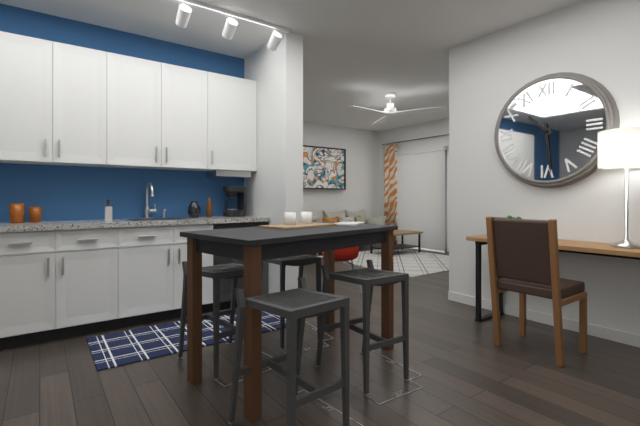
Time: **10:29**
